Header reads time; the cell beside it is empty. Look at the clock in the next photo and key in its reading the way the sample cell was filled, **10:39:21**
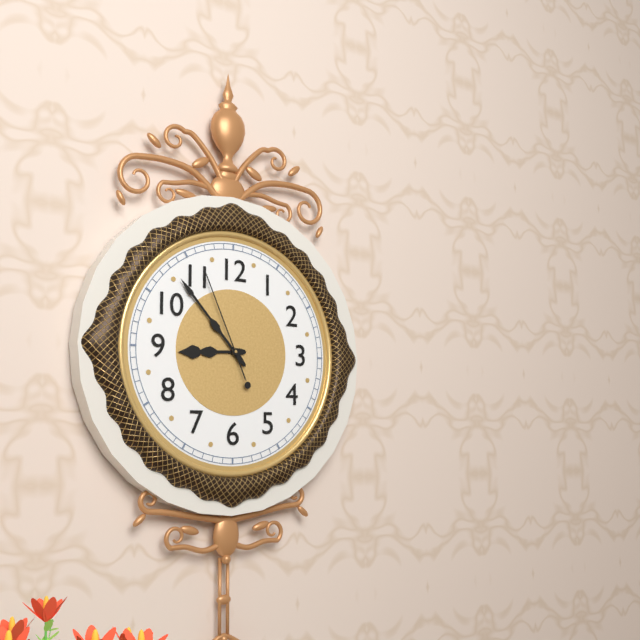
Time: **8:53:56**
